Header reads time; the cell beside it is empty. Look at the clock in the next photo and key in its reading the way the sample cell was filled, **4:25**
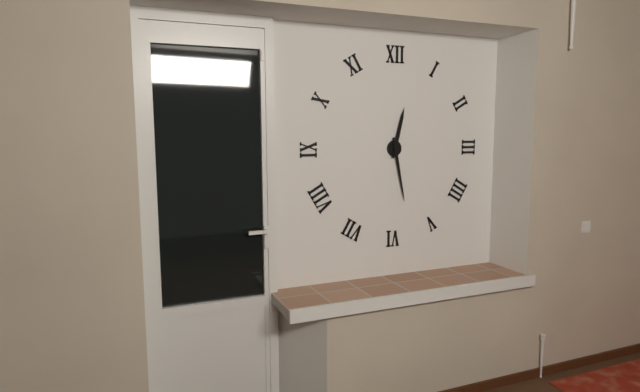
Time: **12:28**
